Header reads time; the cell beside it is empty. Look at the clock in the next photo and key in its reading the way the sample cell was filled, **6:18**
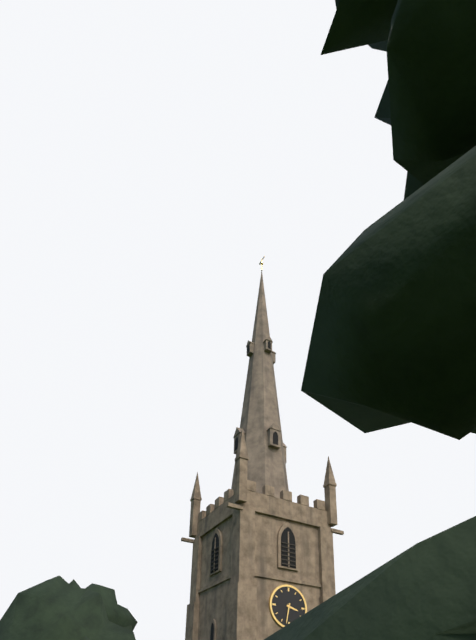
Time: **3:32**
